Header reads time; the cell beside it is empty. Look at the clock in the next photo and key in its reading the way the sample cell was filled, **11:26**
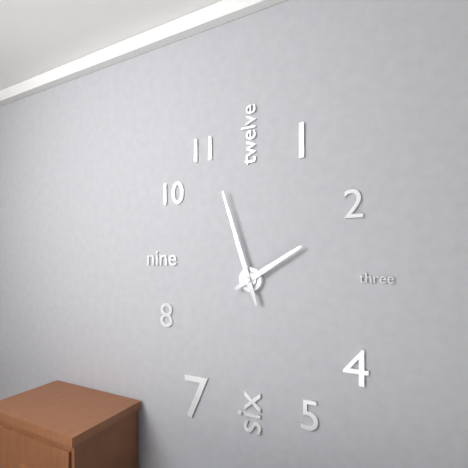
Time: **1:57**
